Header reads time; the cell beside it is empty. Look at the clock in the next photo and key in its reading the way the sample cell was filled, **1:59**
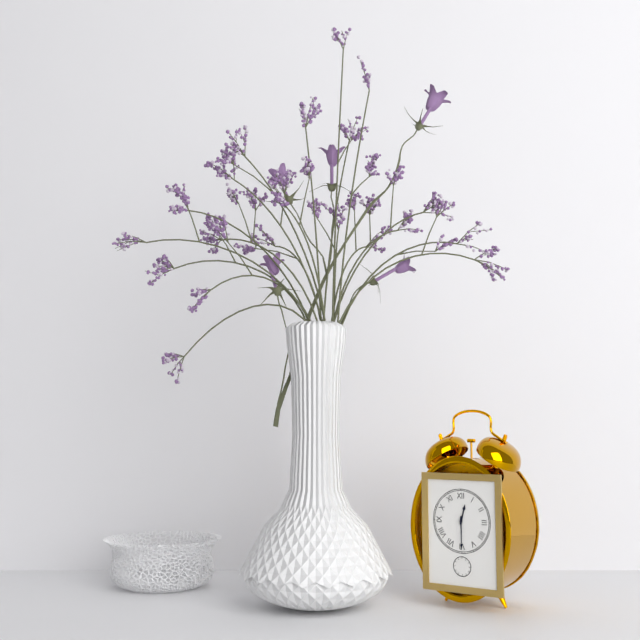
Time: **12:30**
